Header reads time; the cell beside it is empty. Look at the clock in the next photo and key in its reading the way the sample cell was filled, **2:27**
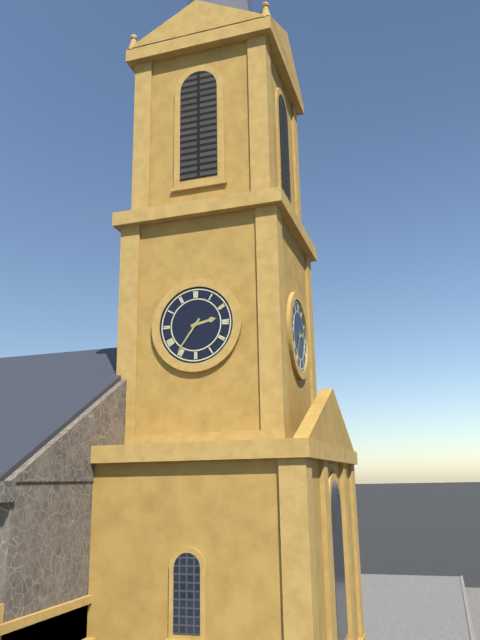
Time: **2:36**
